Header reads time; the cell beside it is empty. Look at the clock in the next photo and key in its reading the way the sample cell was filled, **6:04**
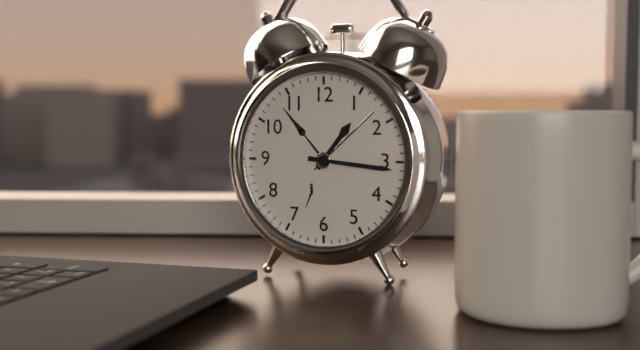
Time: **1:16**
